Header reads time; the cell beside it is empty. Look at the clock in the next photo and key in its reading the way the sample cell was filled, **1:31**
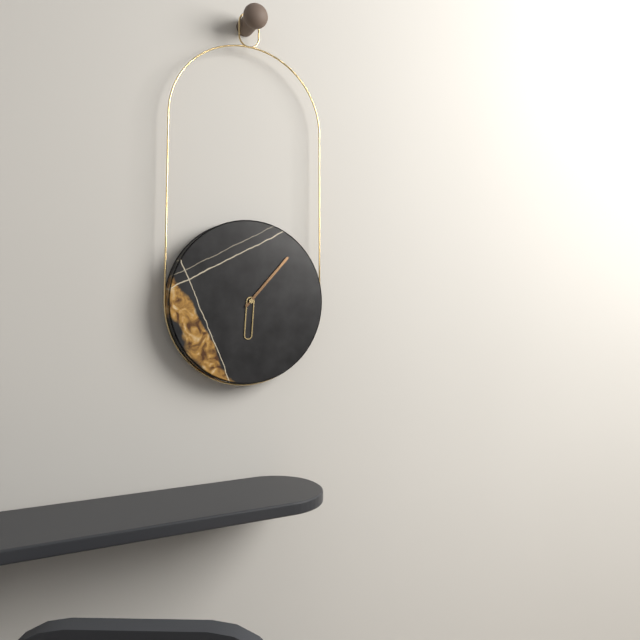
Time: **6:07**
